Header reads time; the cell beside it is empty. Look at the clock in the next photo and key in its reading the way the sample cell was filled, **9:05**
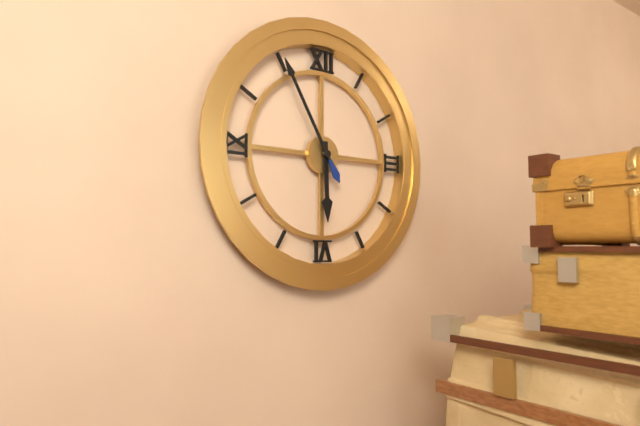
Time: **5:55**
